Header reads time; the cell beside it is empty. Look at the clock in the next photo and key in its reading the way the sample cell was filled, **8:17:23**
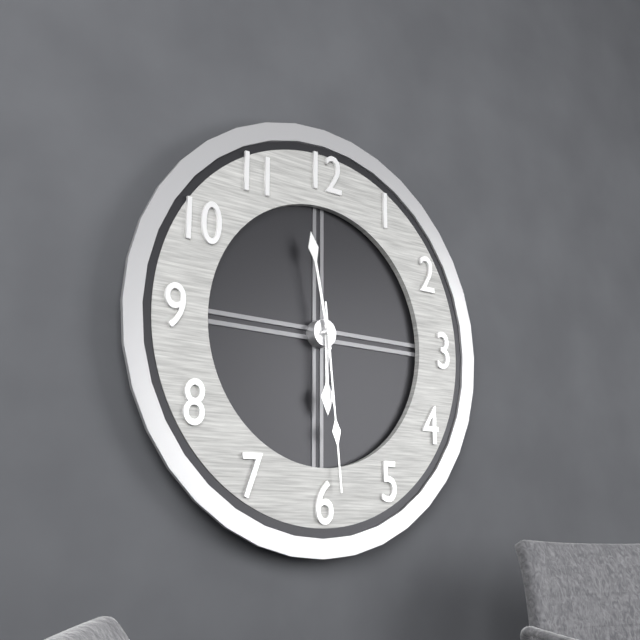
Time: **5:58:29**
